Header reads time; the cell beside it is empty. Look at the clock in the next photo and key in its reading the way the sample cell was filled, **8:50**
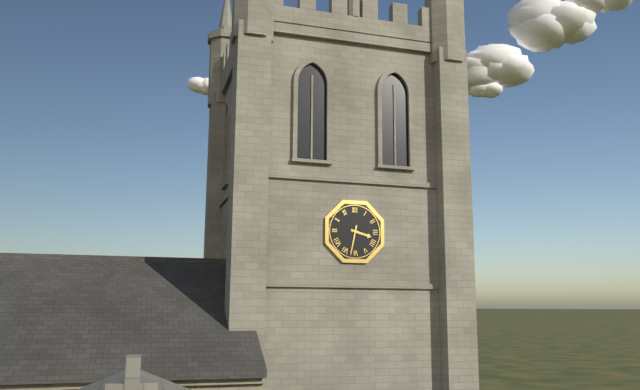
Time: **3:32**
